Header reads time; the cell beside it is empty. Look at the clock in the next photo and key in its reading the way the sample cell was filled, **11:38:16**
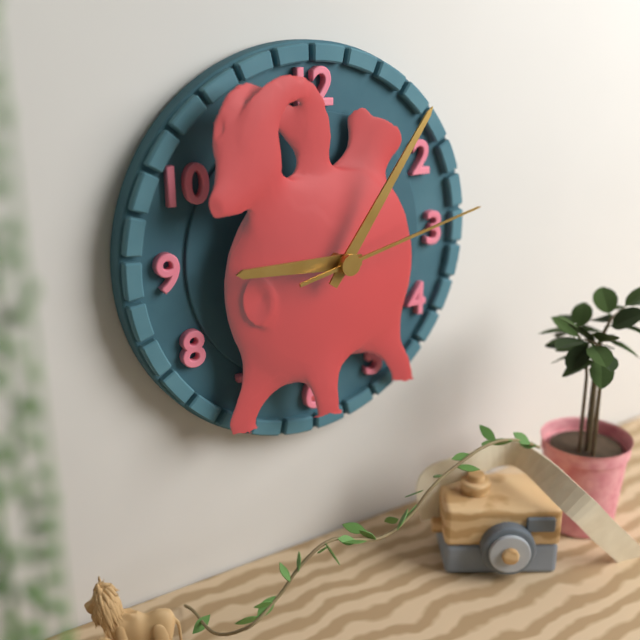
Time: **9:06:13**
